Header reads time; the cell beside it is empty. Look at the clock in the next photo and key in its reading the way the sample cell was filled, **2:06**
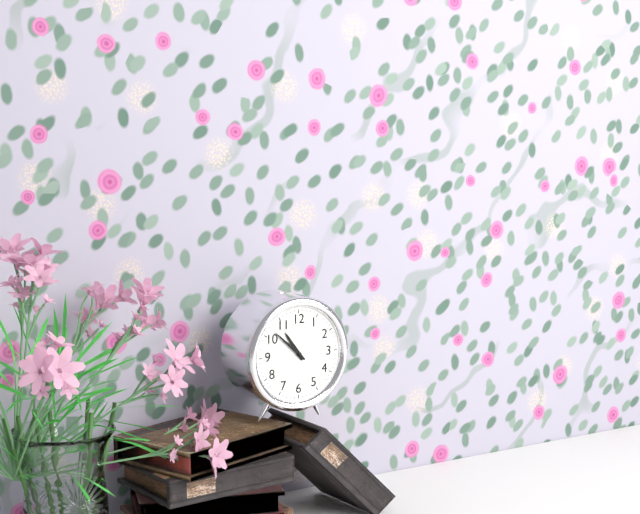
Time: **10:52**
